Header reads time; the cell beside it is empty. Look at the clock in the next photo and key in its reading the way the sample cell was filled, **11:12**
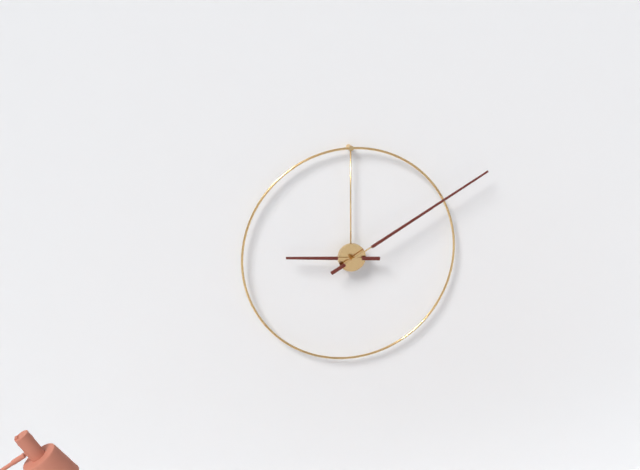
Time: **9:10**
